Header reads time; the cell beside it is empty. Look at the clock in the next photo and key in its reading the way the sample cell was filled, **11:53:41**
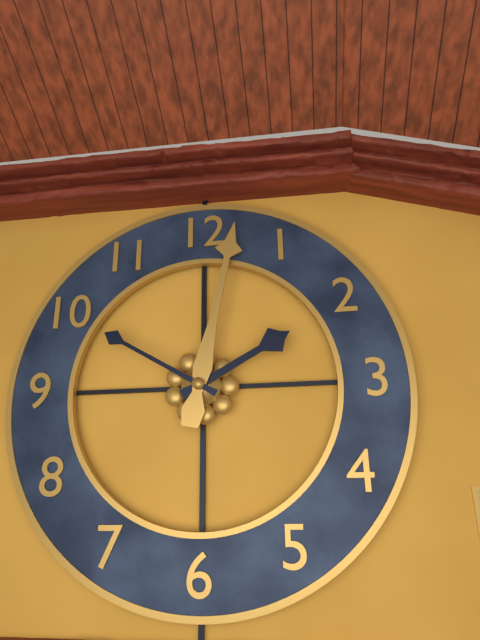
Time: **2:02:50**
